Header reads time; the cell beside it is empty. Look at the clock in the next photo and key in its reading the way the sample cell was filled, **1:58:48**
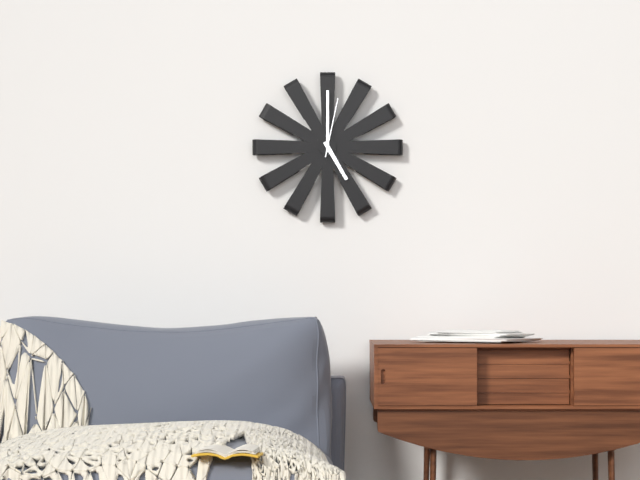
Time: **5:00:02**
